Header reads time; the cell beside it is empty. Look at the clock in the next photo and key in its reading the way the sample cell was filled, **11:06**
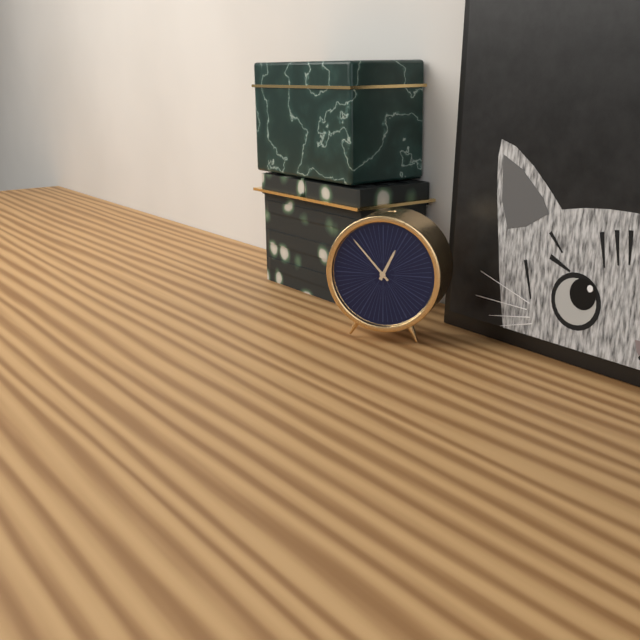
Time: **12:53**
